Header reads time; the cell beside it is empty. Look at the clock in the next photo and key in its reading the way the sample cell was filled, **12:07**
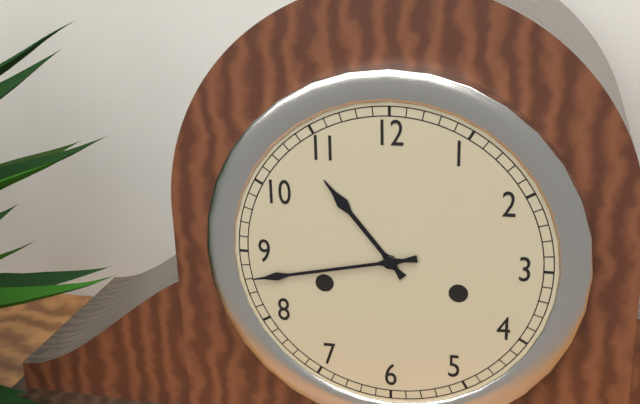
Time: **10:43**
